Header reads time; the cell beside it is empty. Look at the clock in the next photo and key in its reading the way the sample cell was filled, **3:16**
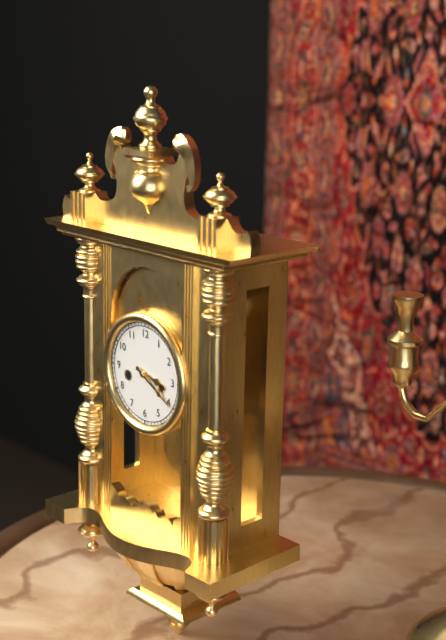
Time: **3:20**
